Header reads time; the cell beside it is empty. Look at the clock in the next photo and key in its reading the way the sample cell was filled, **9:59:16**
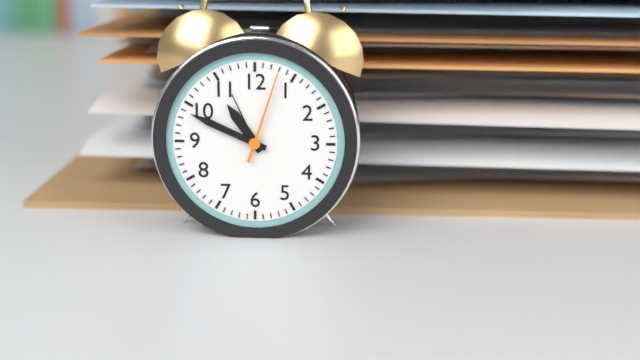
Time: **10:49:03**
